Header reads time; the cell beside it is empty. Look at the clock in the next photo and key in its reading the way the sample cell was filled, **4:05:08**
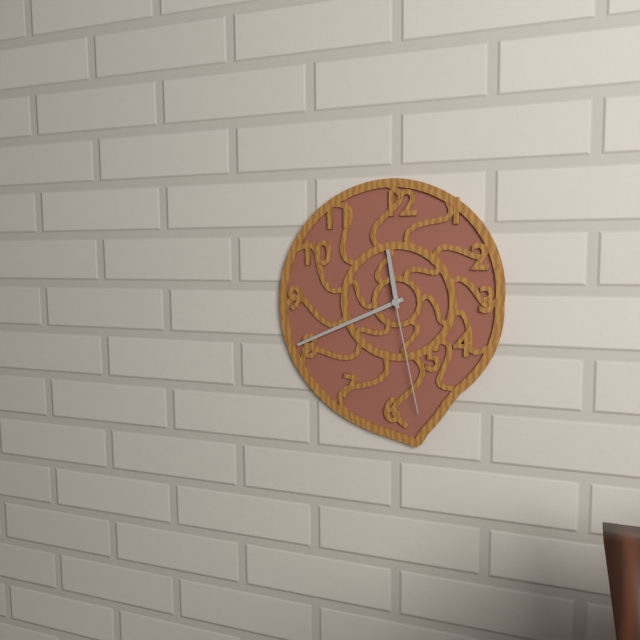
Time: **11:41:28**
